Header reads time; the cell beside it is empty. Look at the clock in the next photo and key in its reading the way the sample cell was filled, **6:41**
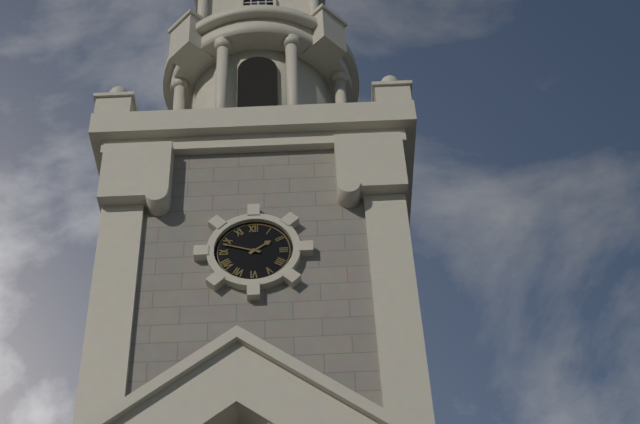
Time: **1:48**
